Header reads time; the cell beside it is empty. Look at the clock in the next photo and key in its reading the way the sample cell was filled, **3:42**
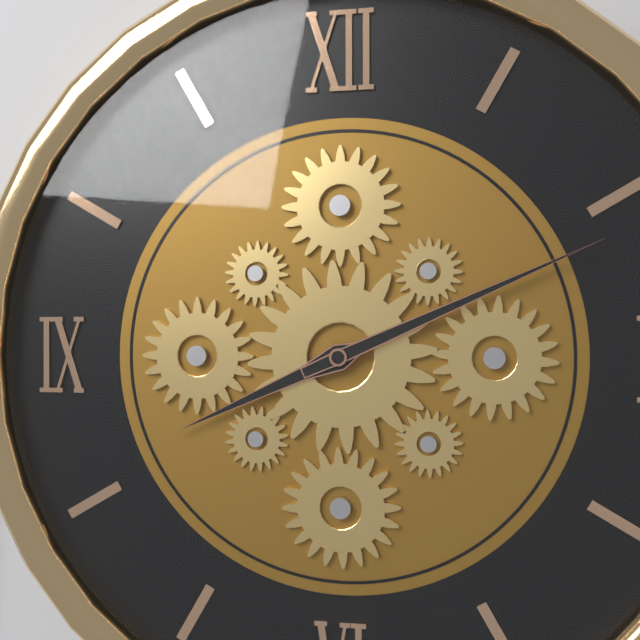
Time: **8:11**
